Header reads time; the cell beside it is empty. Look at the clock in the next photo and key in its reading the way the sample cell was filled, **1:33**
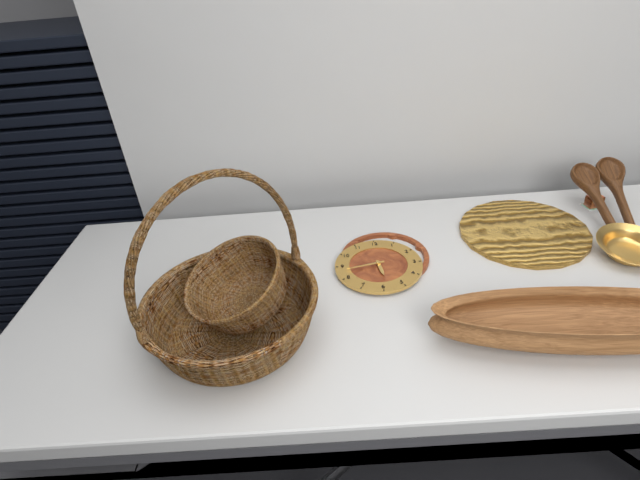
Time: **5:43**
